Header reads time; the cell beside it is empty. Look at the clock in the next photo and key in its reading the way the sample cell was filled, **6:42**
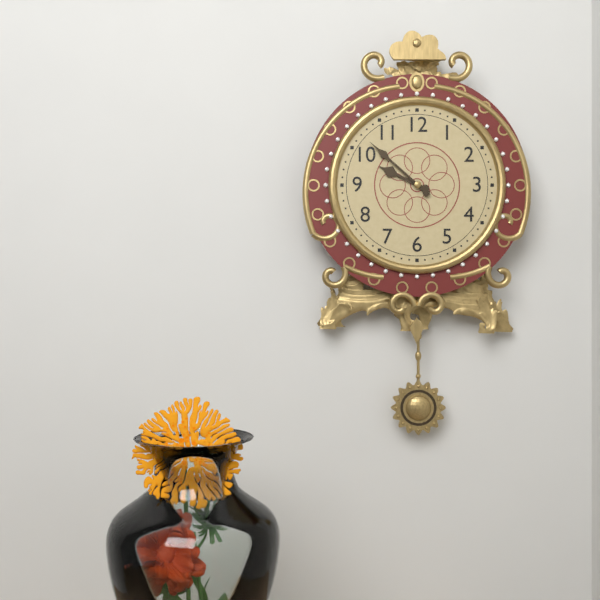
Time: **9:52**
